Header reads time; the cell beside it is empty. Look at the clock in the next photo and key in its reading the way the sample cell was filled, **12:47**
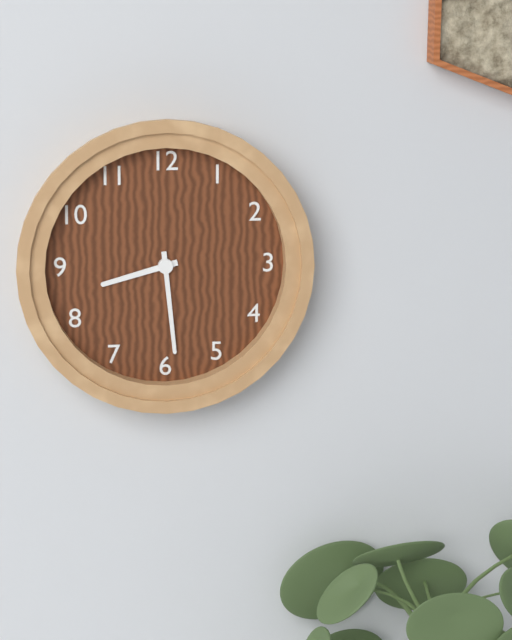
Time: **8:29**
